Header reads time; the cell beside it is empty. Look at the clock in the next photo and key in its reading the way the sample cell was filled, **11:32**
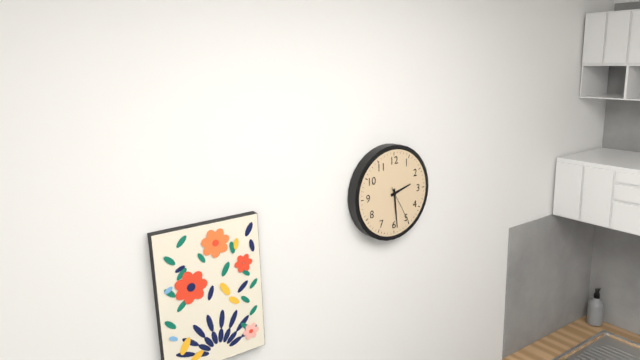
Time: **2:29**
